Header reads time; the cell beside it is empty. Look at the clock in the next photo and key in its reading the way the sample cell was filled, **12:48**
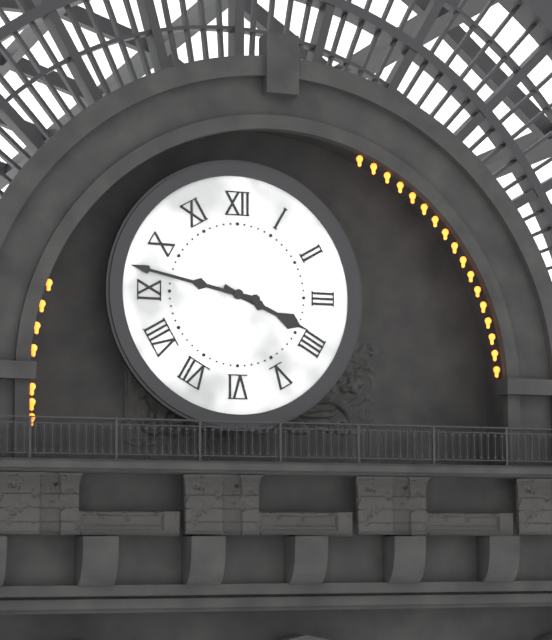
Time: **3:47**
